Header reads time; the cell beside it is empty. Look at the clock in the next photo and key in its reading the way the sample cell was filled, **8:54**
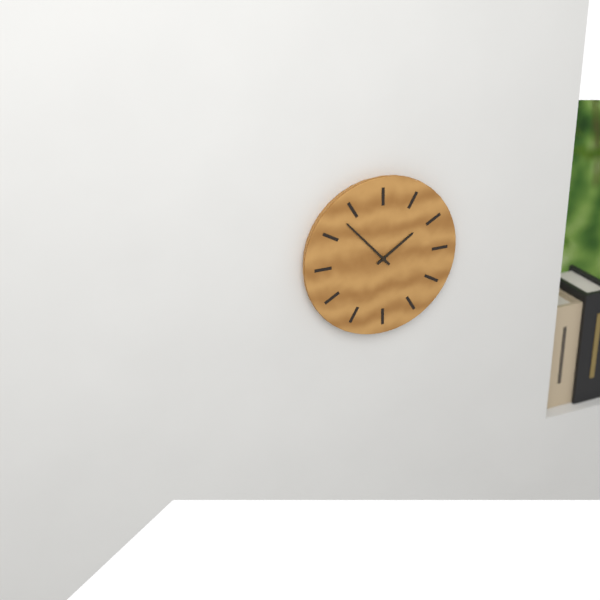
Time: **1:53**
